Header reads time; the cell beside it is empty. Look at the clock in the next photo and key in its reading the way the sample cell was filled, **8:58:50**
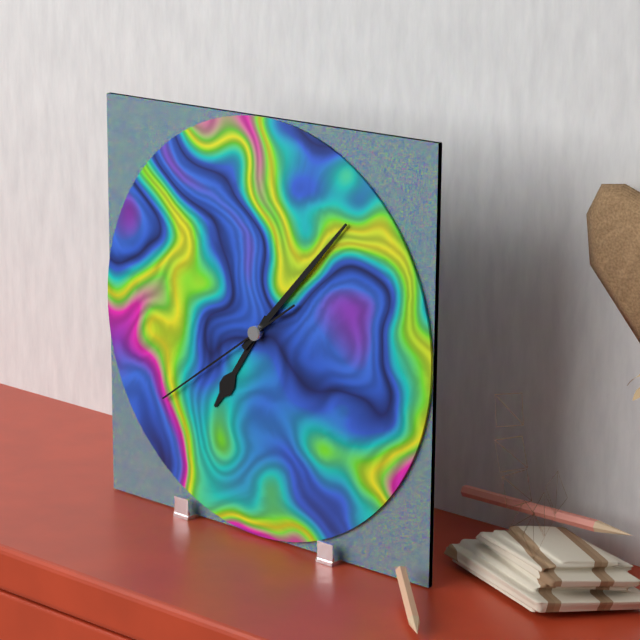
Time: **7:07:39**
